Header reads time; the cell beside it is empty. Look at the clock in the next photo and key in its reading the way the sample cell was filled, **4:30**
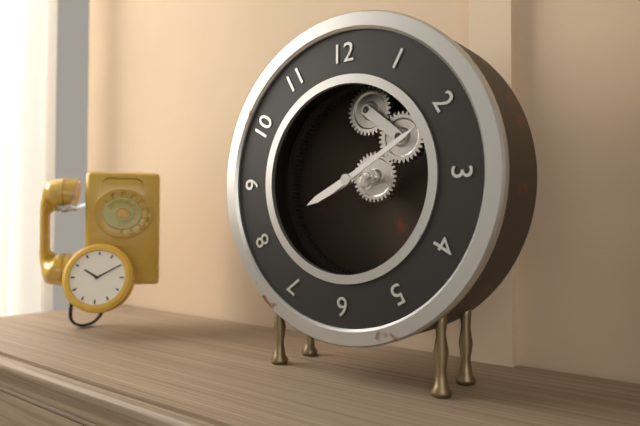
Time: **8:10**
